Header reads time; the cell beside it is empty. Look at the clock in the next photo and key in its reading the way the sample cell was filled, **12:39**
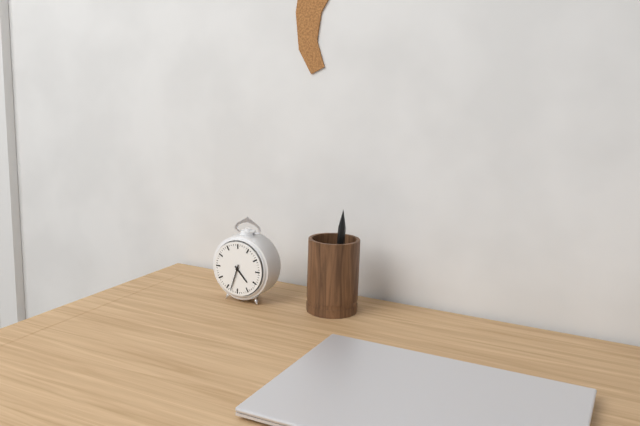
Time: **4:33**
